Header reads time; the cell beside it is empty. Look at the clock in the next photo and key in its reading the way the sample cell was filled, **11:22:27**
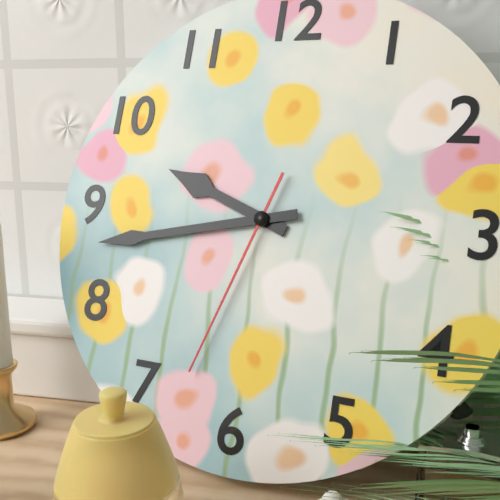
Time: **9:43:33**
